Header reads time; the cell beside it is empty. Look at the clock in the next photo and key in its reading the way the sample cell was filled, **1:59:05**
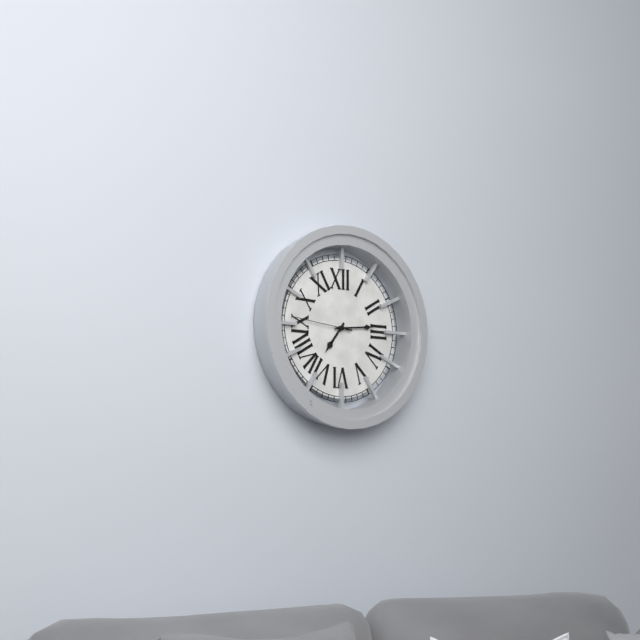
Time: **7:14:46**
